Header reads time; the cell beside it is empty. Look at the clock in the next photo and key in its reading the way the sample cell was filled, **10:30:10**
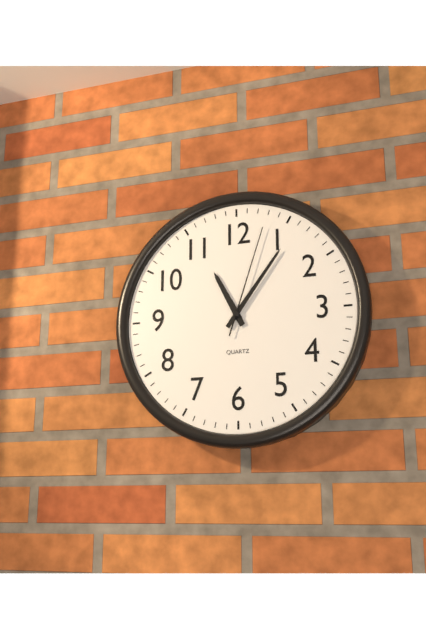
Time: **11:06:03**
